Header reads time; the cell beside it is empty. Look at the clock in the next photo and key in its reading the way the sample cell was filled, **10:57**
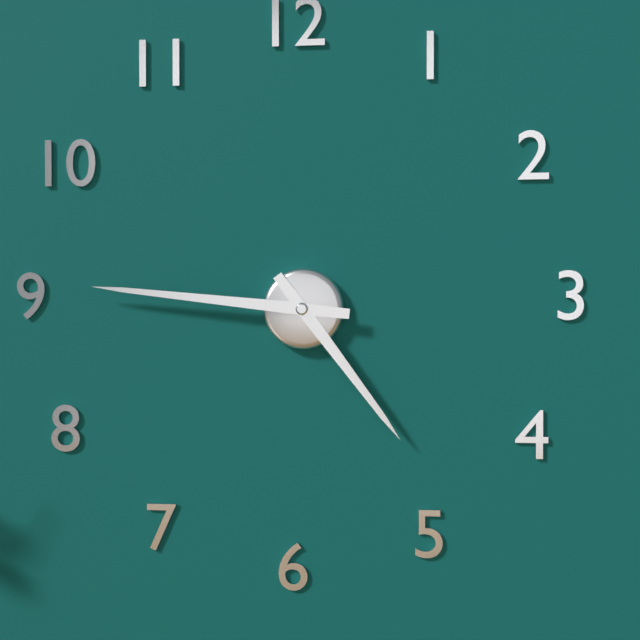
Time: **4:46**
